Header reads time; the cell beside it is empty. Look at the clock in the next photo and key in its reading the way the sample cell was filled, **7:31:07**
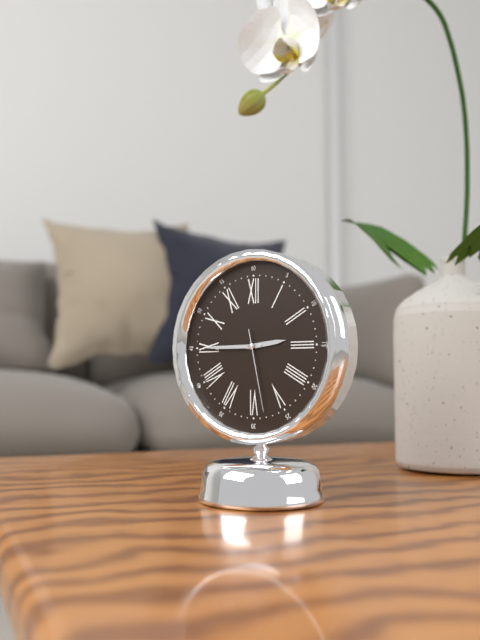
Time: **2:45:28**
